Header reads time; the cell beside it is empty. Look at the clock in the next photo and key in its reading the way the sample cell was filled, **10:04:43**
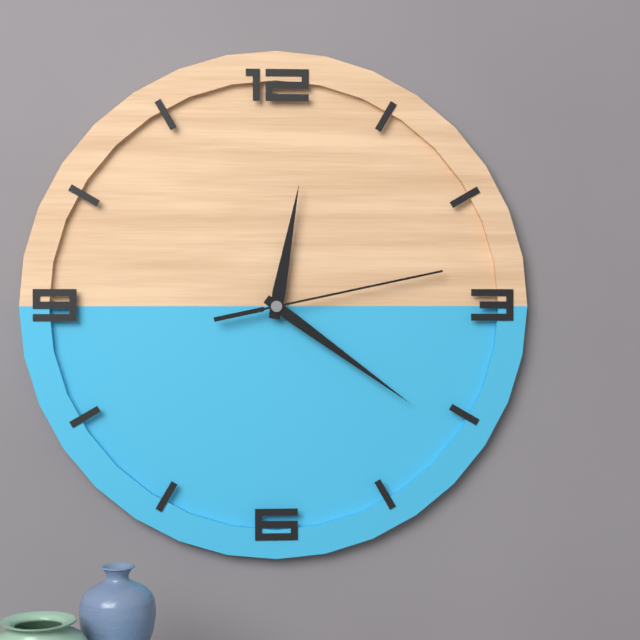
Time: **12:21:13**
